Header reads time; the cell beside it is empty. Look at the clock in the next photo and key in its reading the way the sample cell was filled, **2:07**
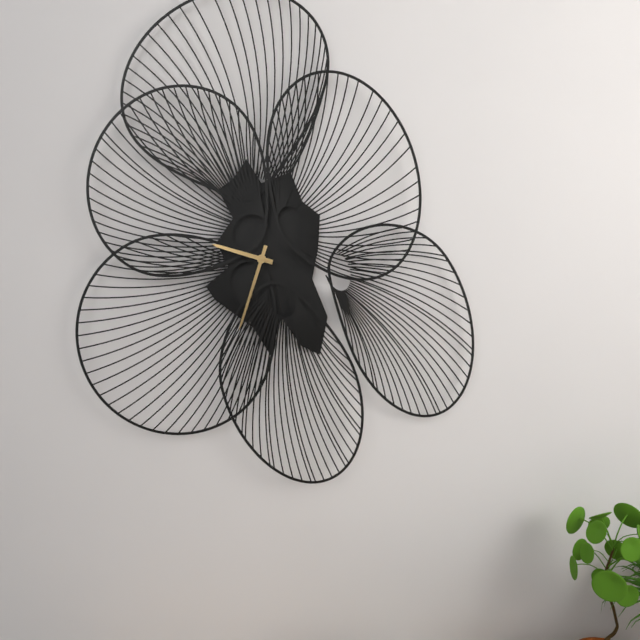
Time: **9:33**
